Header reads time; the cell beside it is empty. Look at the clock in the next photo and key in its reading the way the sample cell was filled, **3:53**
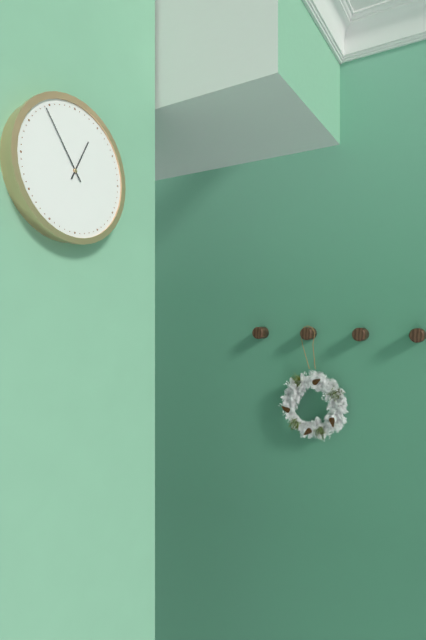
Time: **12:54**
